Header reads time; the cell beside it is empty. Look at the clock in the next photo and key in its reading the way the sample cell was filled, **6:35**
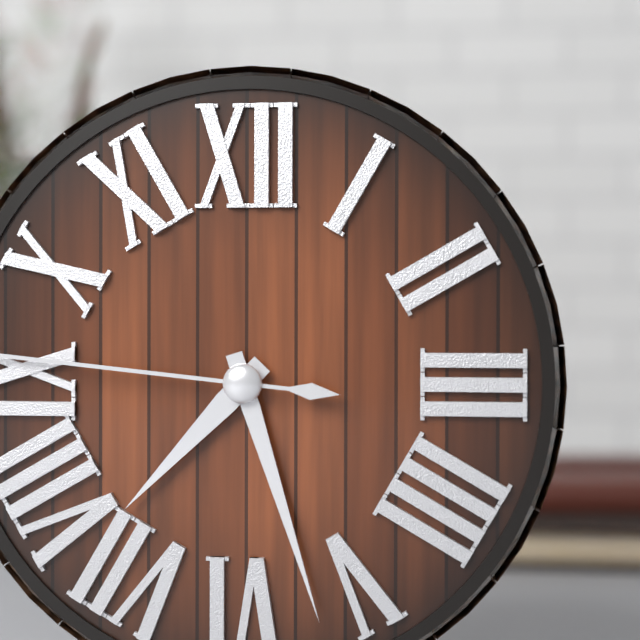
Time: **7:27**
